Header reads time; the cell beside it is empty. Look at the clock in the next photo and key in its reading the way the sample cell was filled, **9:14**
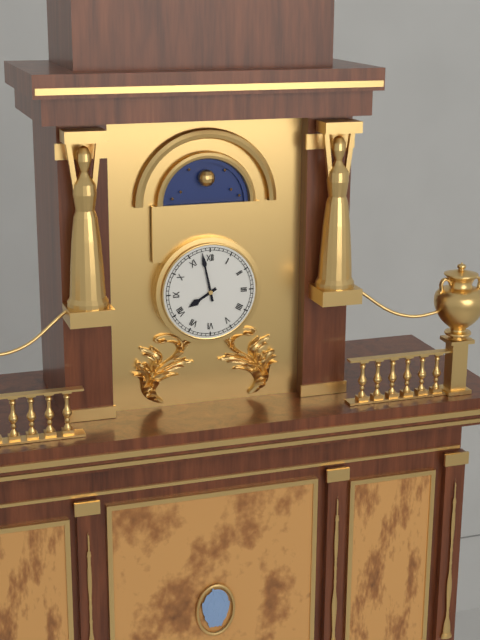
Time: **7:58**
